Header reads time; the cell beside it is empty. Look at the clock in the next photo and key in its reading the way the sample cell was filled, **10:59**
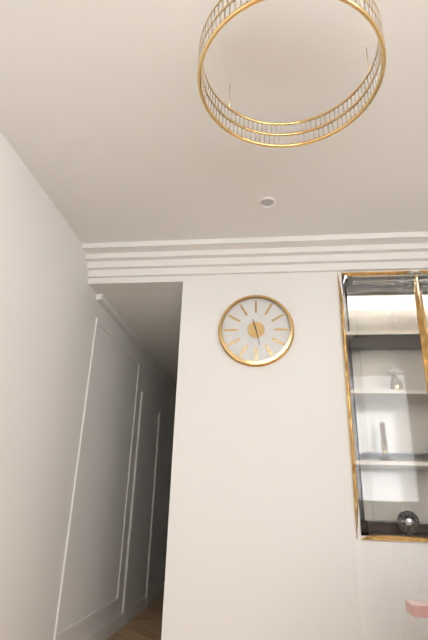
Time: **11:28**
